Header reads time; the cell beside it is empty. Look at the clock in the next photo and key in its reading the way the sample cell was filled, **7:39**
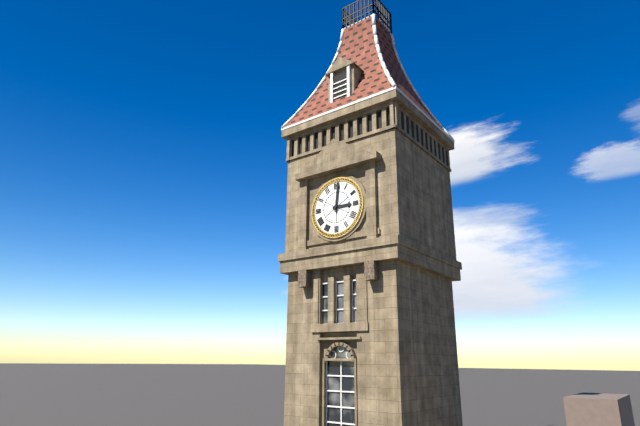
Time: **3:01**
